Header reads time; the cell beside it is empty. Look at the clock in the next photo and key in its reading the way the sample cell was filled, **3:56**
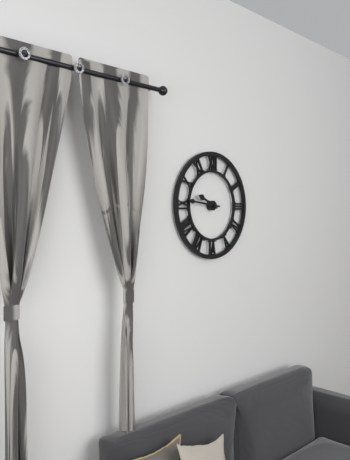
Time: **9:46**
